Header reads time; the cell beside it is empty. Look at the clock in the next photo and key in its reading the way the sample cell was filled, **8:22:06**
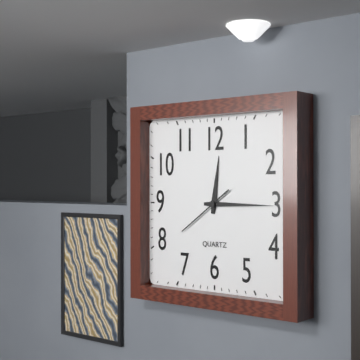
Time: **12:15:39**
